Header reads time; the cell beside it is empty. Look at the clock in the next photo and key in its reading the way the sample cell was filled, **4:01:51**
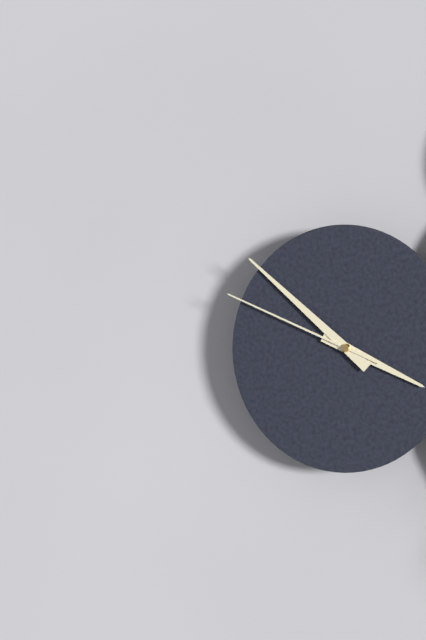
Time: **3:52:49**
